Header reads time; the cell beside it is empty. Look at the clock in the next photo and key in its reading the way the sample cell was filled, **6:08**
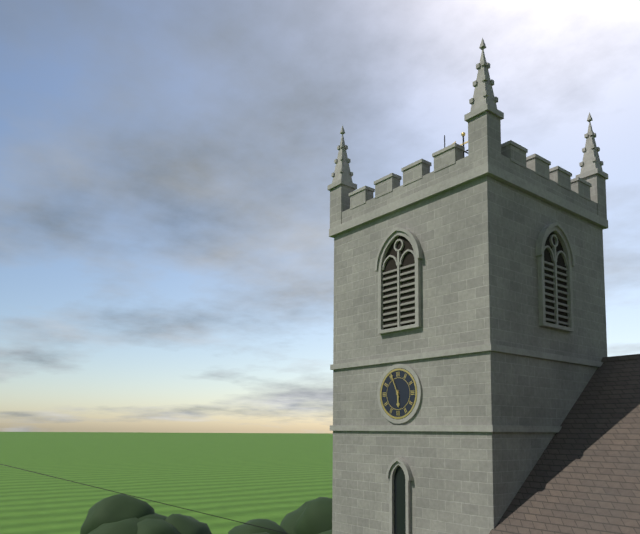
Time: **5:56**
